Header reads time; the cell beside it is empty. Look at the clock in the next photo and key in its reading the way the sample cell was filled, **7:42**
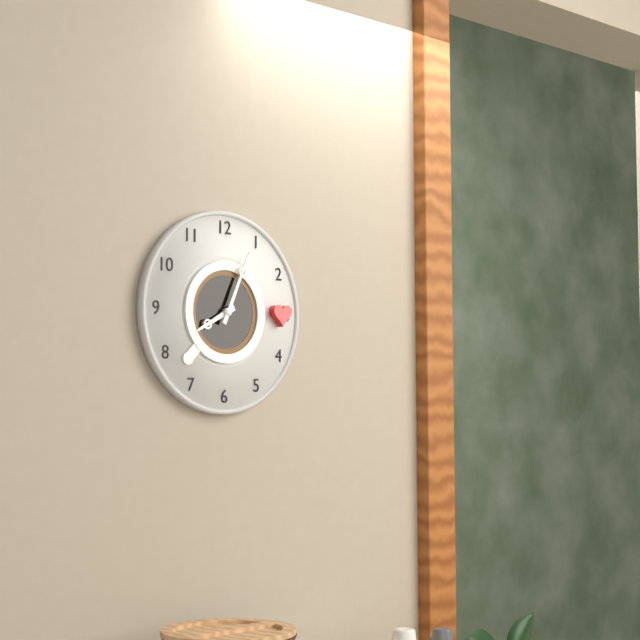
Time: **8:04**
